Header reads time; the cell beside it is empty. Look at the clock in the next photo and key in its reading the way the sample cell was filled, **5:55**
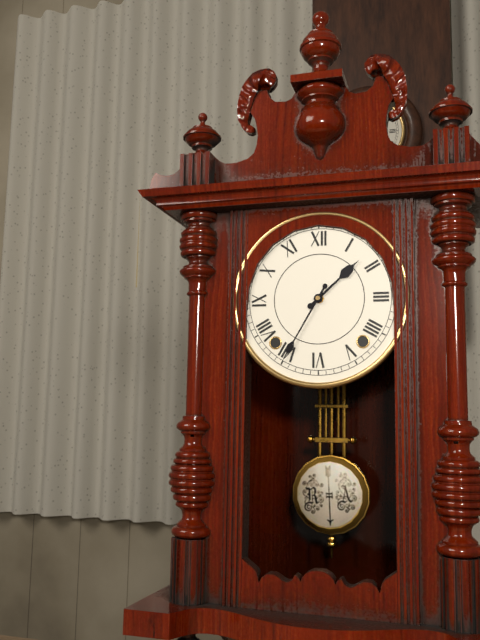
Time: **1:35**
